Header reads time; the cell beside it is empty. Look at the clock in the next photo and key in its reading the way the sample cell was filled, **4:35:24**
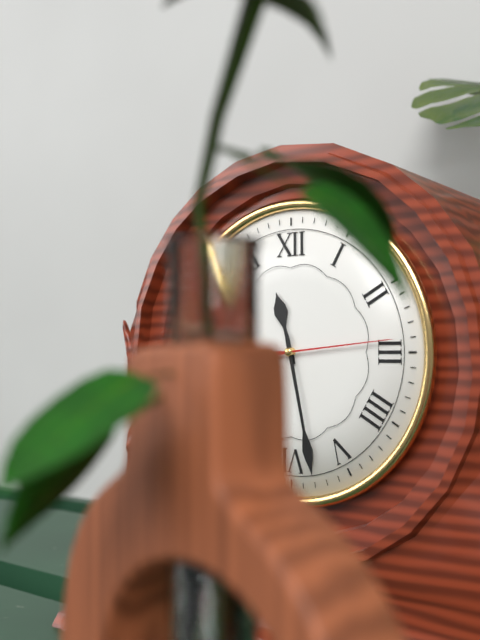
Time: **11:28:14**
